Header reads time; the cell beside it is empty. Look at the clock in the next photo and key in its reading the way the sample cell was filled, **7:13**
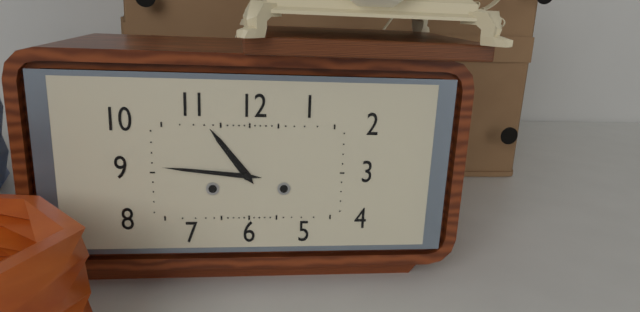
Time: **10:46**
